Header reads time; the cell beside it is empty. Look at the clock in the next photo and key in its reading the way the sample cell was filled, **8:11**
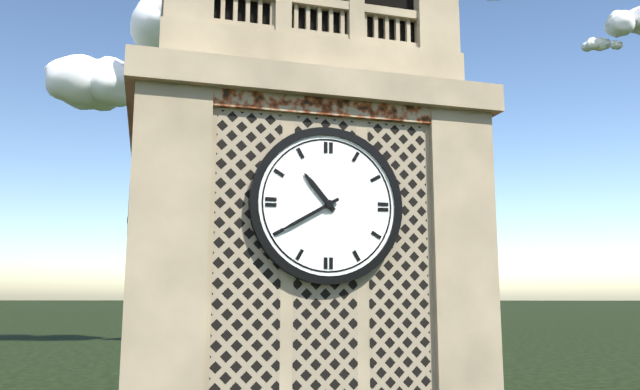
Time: **10:40**
